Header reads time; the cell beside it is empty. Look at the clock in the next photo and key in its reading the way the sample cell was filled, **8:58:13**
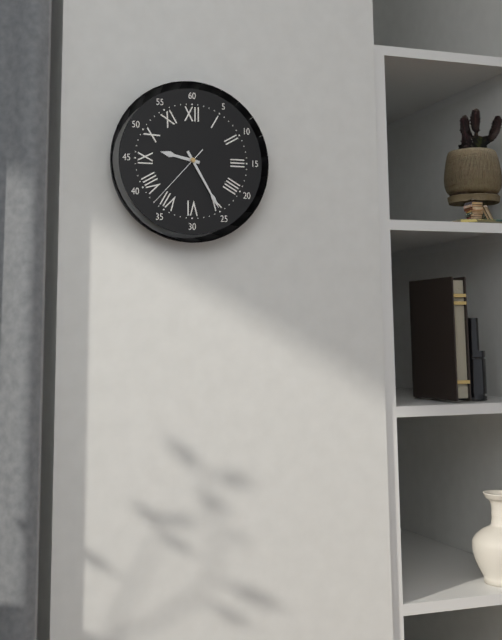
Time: **9:25:37**
